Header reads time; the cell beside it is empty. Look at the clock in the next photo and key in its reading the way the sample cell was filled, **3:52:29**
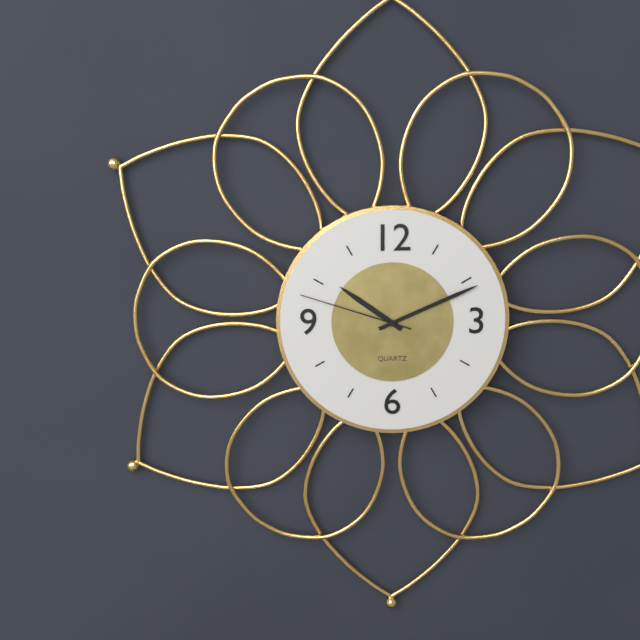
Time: **10:11:48**
